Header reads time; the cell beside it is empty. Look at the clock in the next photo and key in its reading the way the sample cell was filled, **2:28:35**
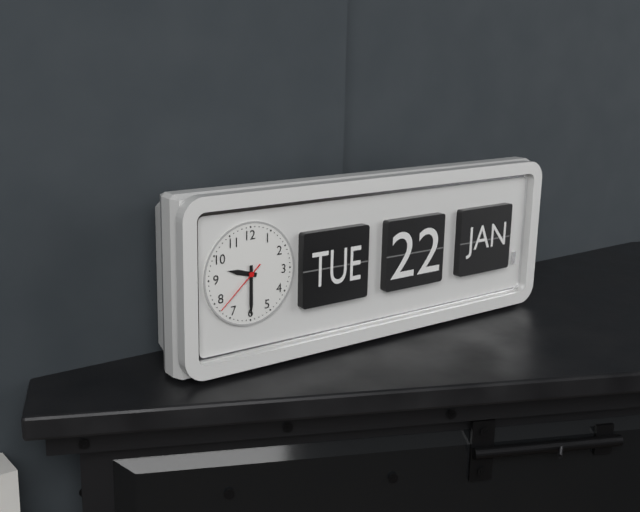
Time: **9:30:38**
